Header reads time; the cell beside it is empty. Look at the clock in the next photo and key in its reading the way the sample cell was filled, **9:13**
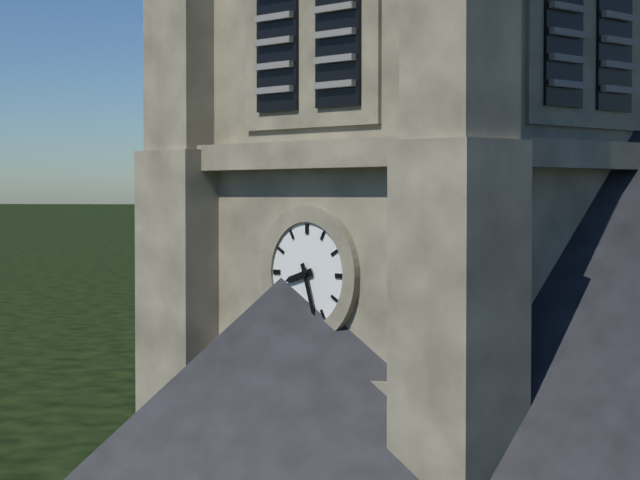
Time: **8:27**
